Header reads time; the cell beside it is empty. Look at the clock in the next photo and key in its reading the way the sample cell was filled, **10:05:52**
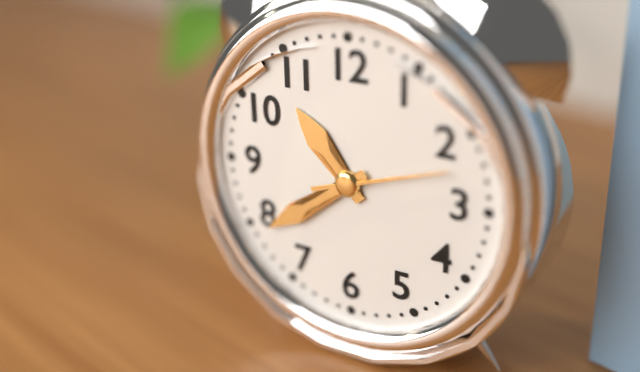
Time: **10:39:12**
